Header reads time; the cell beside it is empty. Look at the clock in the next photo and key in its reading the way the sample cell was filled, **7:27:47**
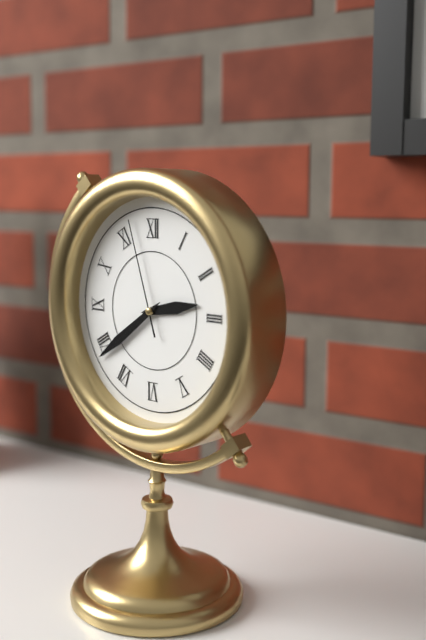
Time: **2:39:57**
